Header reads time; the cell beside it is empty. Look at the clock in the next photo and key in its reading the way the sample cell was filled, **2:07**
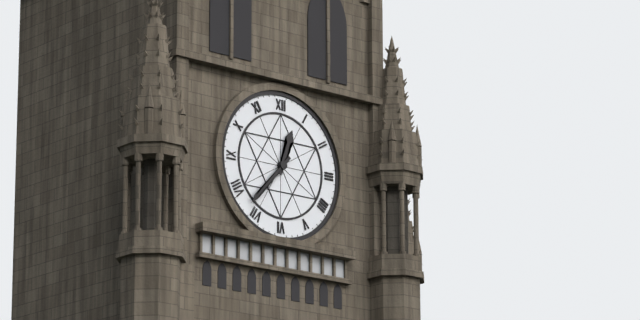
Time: **12:37**
